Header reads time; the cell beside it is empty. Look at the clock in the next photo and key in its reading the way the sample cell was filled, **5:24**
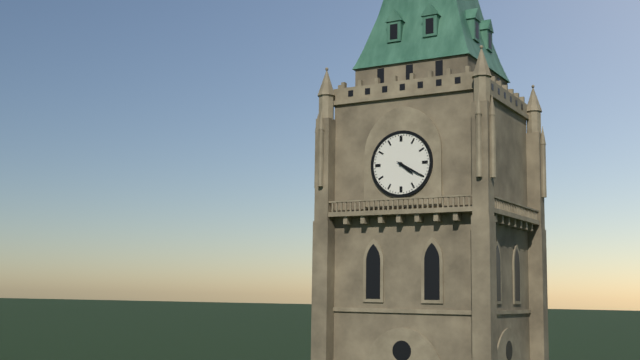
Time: **4:20**
